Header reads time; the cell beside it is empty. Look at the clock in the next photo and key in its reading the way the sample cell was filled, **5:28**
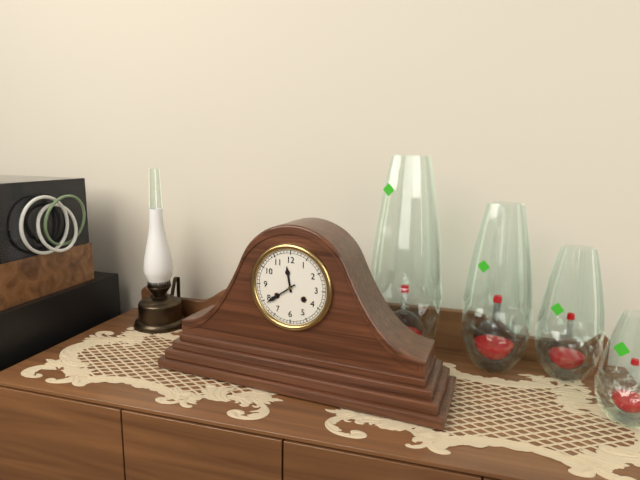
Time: **11:39**
